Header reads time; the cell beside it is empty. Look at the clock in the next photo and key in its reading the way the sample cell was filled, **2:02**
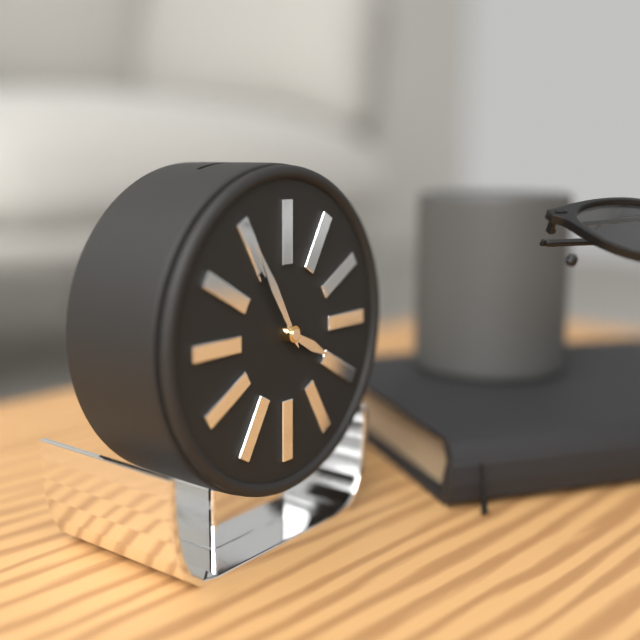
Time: **3:55**
